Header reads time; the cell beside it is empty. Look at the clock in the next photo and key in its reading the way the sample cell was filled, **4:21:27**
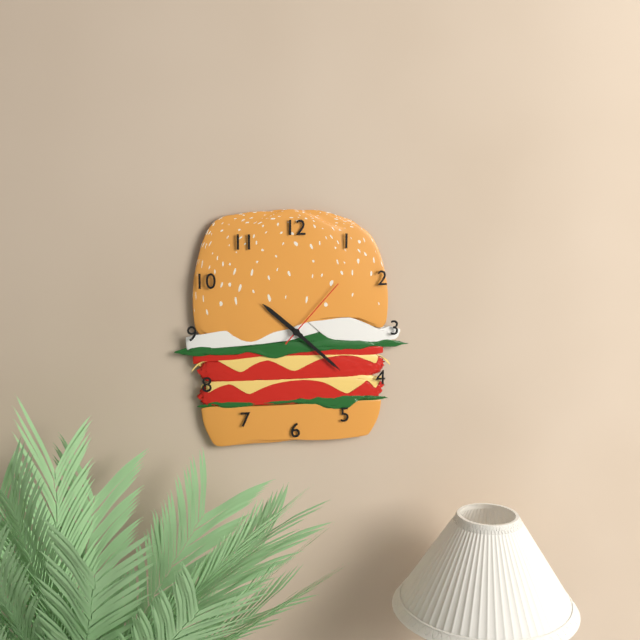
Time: **10:22:07**
